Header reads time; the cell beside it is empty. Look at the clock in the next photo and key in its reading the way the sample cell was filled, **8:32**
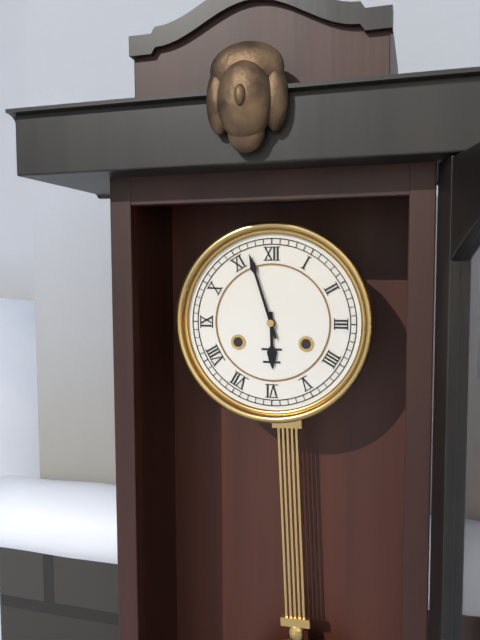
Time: **5:57**
